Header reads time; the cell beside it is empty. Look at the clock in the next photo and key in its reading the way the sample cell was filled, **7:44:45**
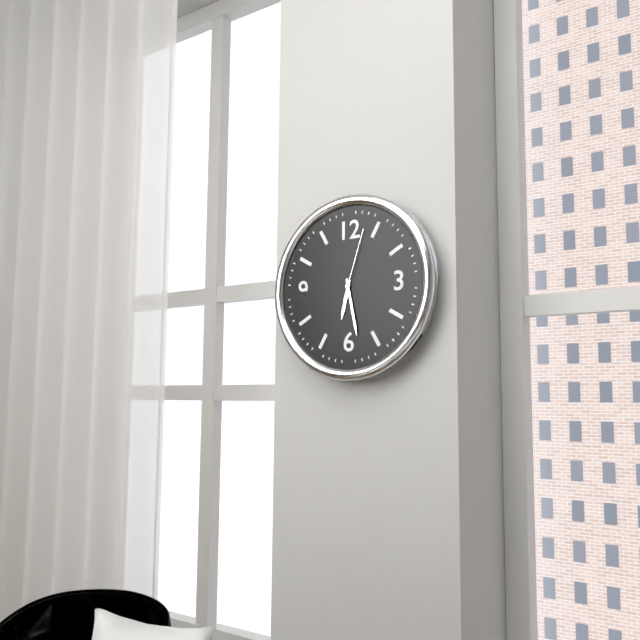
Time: **6:28:03**
